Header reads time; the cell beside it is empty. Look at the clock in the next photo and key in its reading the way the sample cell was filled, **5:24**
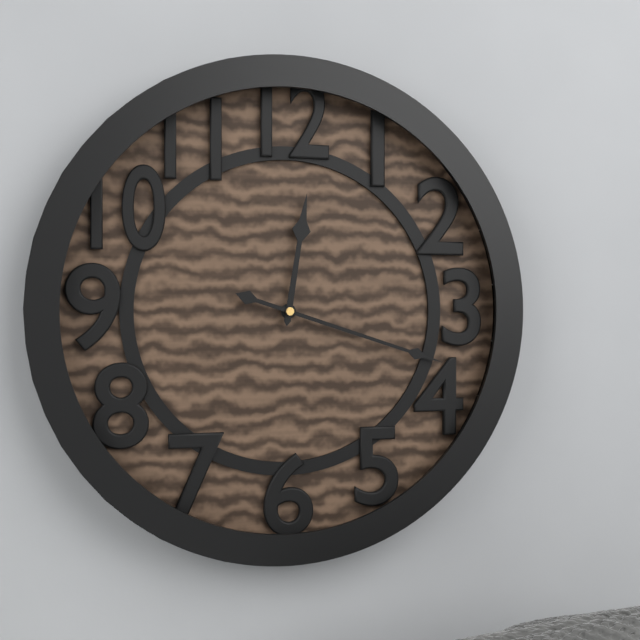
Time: **12:18**
